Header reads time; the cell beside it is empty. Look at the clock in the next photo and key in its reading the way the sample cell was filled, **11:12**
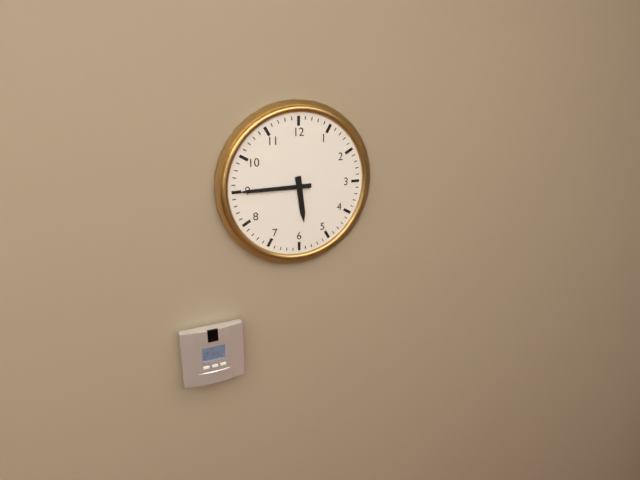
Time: **5:45**
